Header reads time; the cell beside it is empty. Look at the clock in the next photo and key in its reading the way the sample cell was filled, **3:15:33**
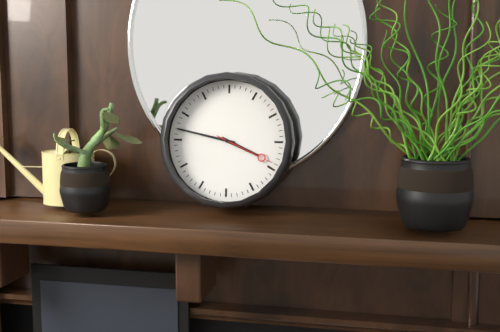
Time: **3:47:19**
